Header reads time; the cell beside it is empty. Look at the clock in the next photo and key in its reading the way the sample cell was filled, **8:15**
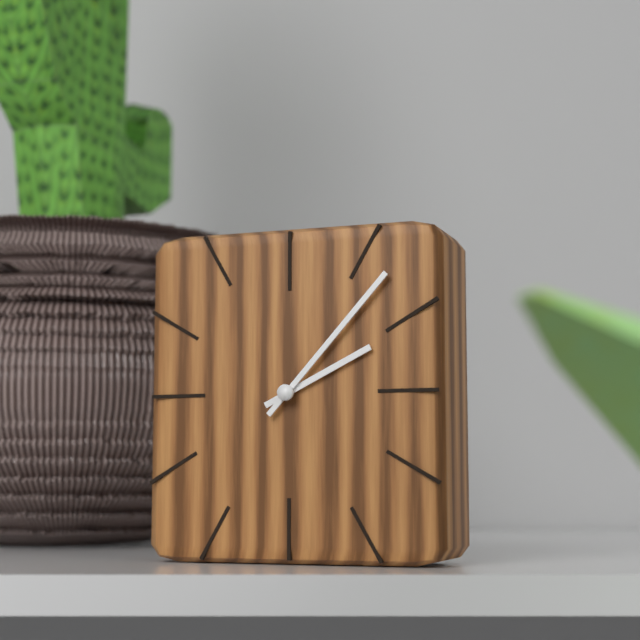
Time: **2:07**
